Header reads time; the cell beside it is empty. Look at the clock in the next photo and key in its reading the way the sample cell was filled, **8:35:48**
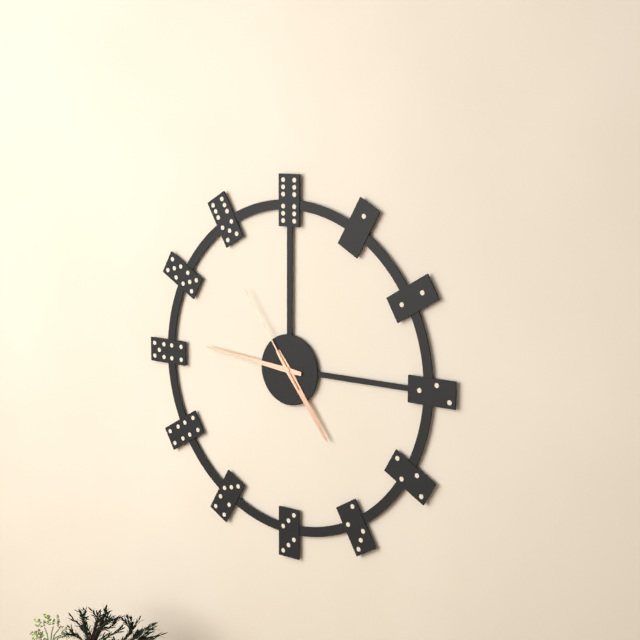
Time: **4:46:54**
